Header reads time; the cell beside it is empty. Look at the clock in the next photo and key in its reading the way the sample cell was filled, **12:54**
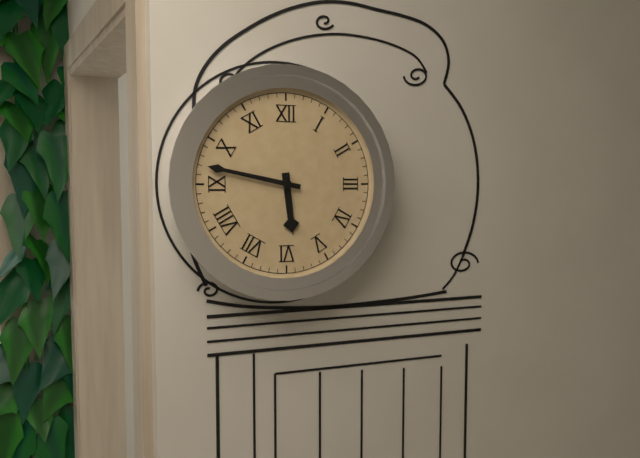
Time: **5:47**
